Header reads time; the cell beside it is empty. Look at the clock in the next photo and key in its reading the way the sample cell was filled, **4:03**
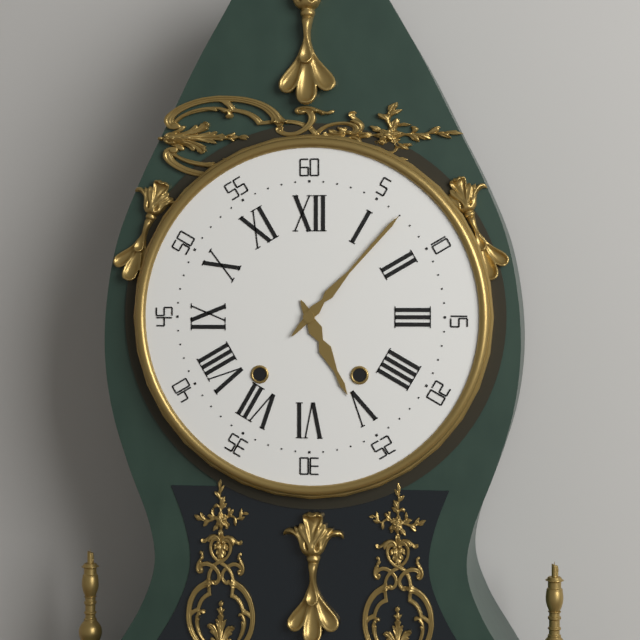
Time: **5:07**
